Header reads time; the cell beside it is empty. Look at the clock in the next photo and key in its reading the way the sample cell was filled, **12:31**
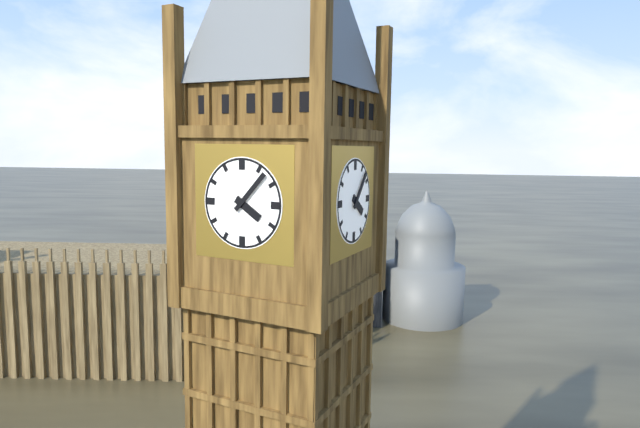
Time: **4:07**
